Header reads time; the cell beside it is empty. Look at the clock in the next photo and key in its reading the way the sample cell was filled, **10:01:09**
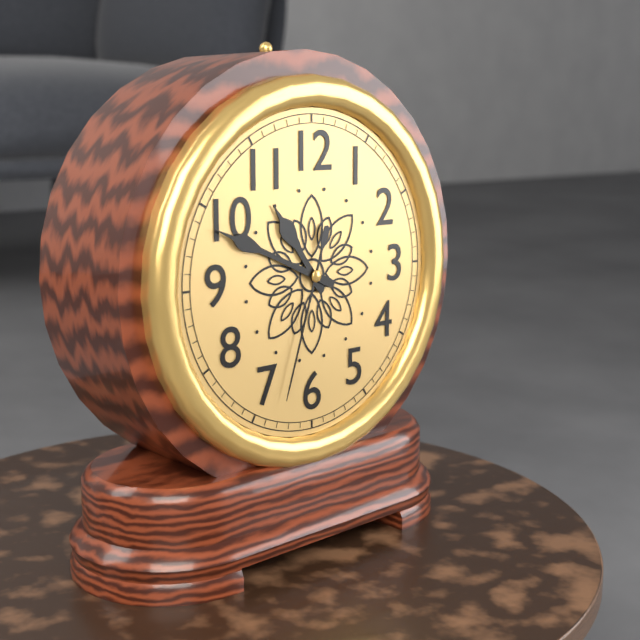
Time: **10:49:33**
